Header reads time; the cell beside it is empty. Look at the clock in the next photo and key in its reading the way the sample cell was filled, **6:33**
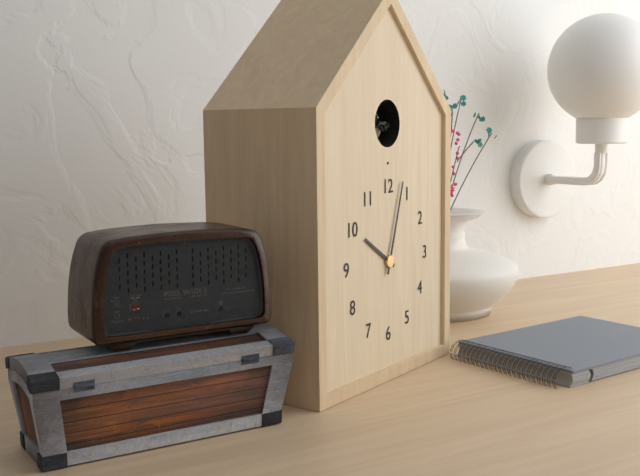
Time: **10:03**
